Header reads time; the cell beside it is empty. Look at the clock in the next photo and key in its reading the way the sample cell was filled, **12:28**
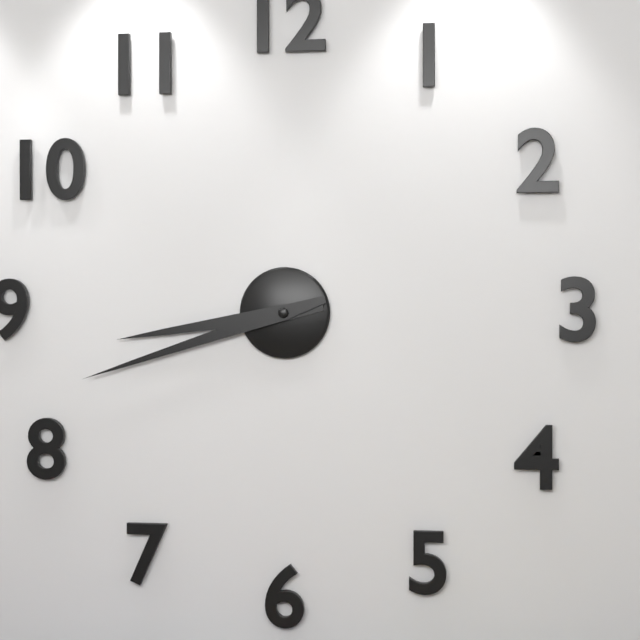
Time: **8:42**
